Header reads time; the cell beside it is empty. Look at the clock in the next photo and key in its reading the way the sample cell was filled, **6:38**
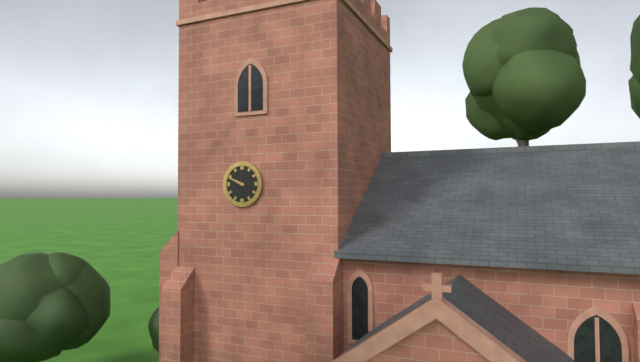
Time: **9:49**
